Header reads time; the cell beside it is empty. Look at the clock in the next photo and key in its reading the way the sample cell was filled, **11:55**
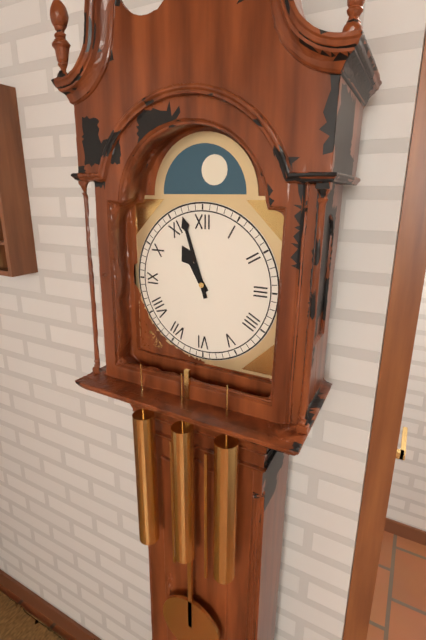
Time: **10:57**
